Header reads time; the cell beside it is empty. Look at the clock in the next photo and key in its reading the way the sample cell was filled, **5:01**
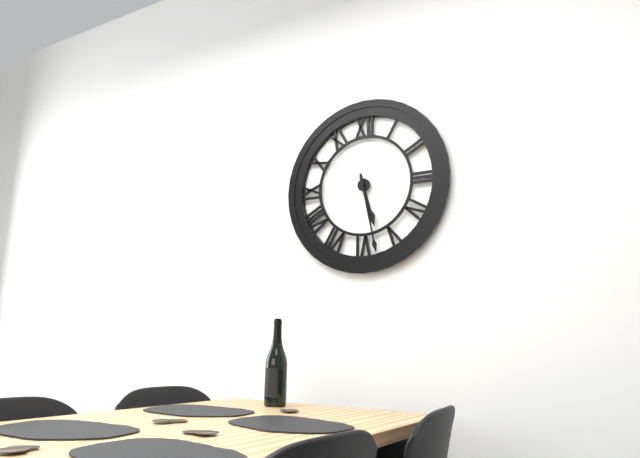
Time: **5:28**
